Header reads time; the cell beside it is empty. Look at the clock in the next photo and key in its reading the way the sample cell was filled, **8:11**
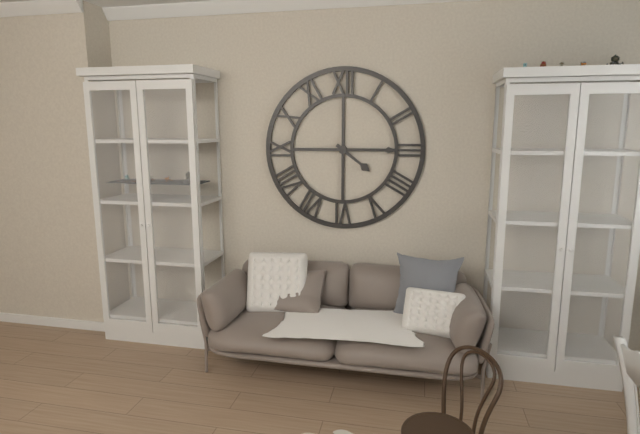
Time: **4:15**
